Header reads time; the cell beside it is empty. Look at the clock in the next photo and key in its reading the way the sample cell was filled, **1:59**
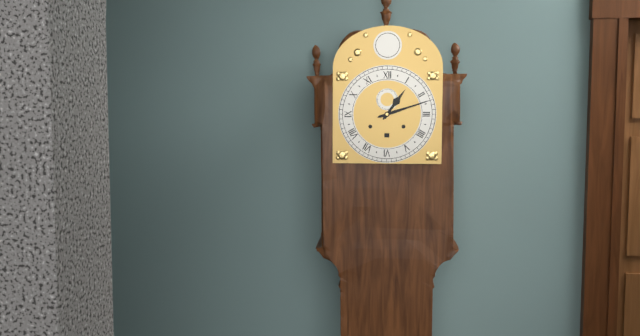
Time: **1:12**
